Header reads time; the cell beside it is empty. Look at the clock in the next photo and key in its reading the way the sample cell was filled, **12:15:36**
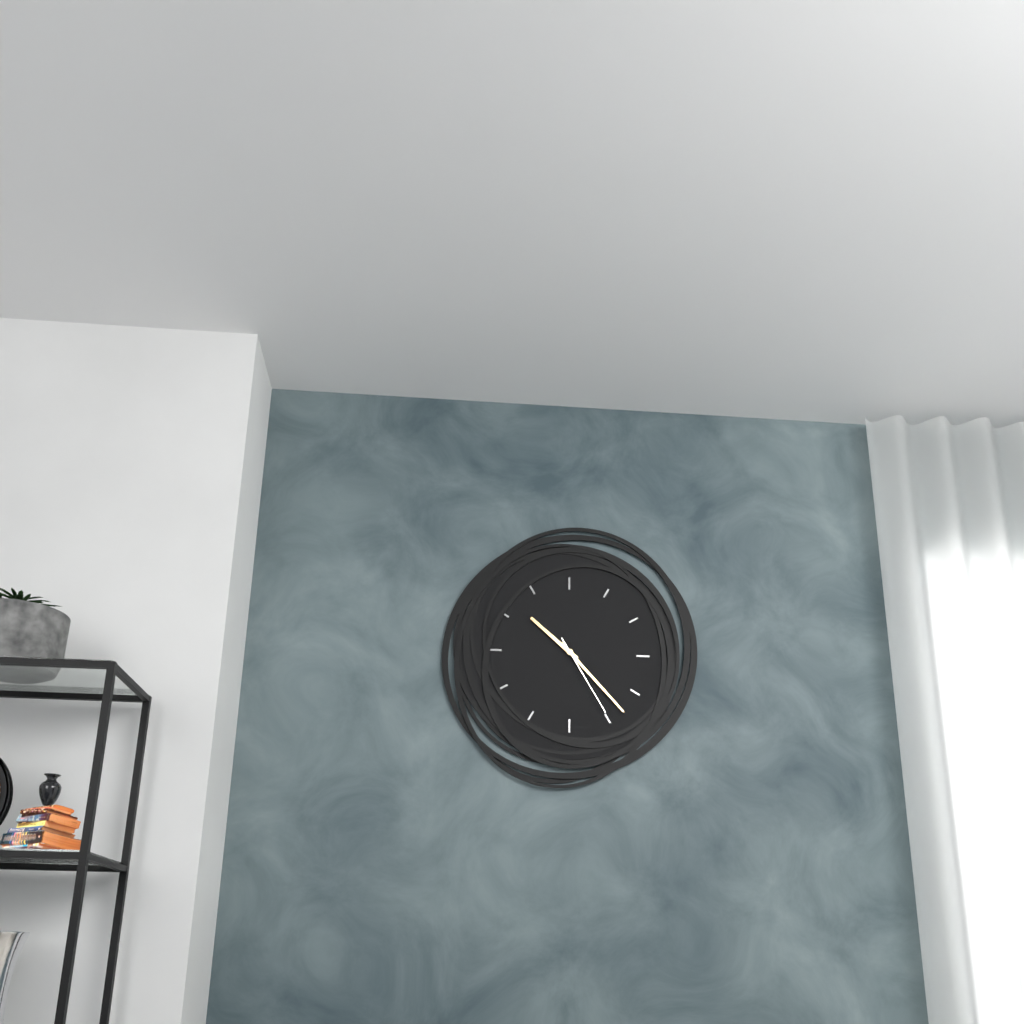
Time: **10:23:25**
